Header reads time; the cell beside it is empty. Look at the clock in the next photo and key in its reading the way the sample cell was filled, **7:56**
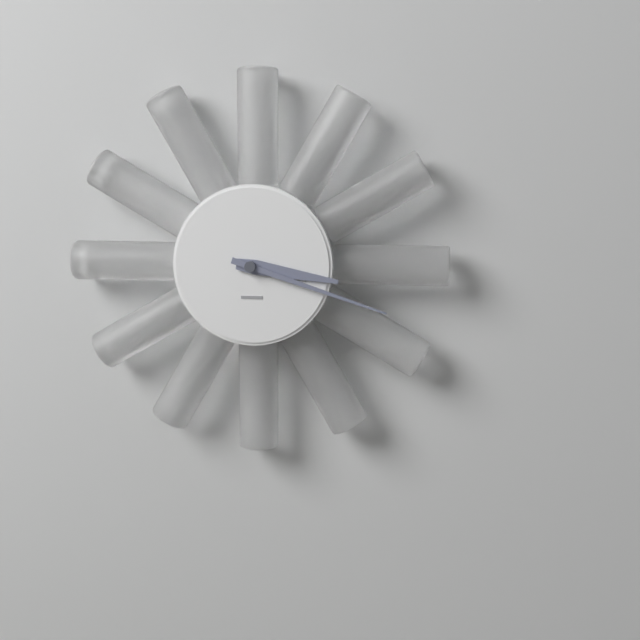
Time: **3:18**
